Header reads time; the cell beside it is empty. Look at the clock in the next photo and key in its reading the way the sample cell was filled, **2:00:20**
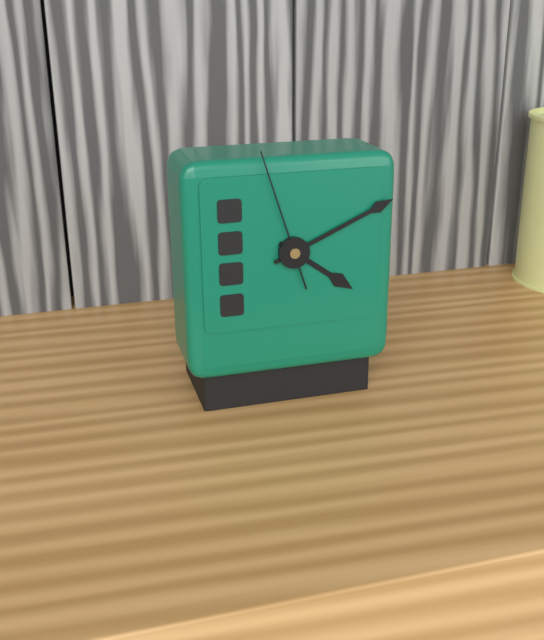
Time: **4:11:57**
